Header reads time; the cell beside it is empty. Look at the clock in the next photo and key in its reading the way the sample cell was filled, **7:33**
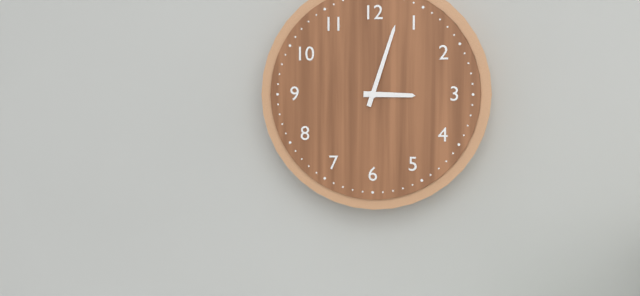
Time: **3:03**
